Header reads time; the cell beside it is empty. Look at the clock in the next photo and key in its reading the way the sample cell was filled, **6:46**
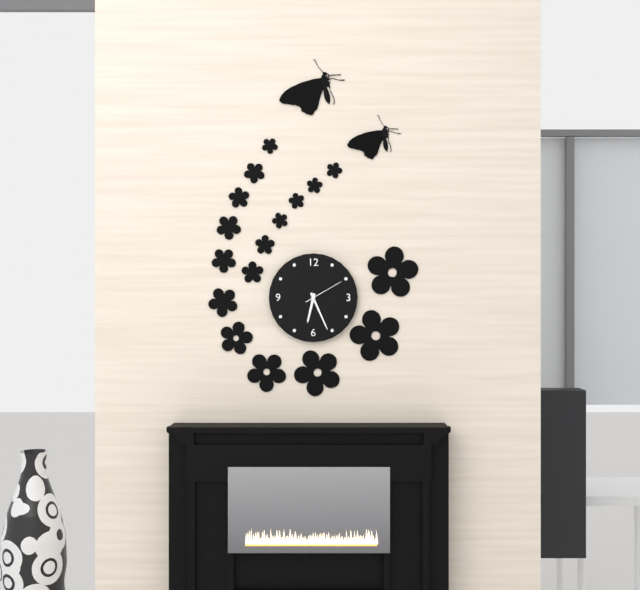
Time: **6:26**
